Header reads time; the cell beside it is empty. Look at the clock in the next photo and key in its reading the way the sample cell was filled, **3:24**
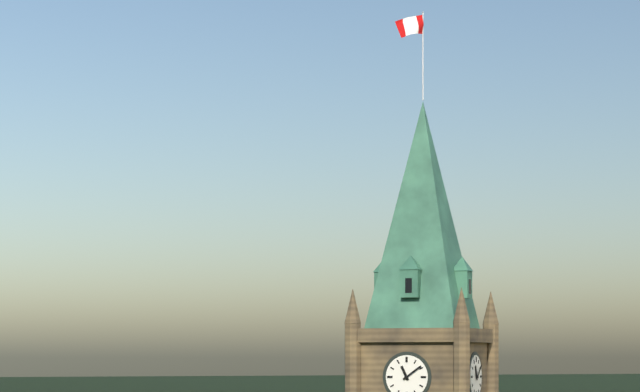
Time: **11:09**
